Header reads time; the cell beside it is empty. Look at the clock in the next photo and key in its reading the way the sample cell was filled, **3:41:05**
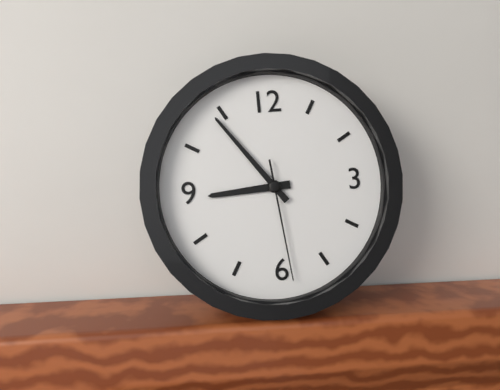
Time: **8:54:29**
